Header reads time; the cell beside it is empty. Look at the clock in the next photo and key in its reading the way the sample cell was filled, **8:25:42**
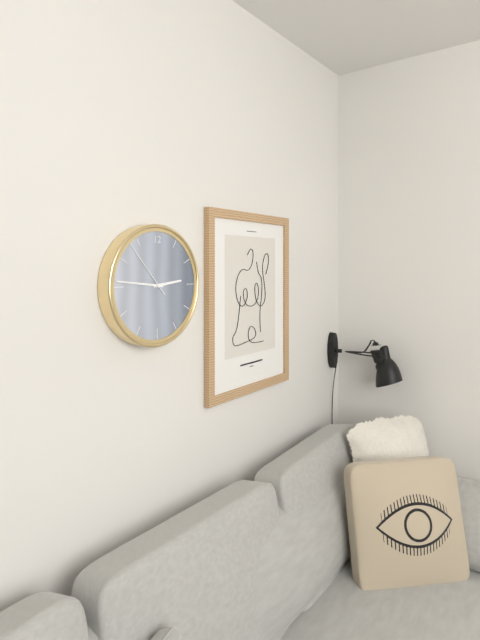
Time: **2:46:53**
